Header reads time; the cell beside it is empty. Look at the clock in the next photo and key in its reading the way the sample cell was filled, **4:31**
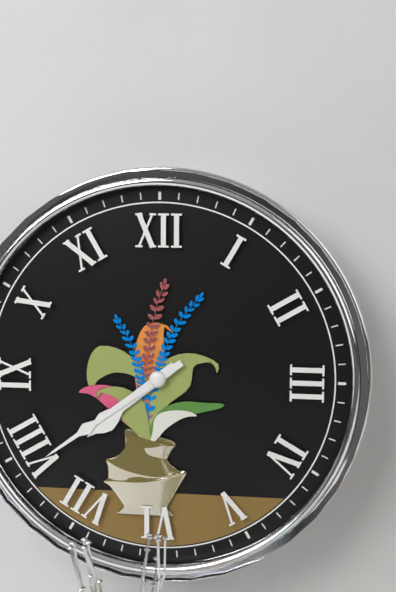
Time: **7:39**
